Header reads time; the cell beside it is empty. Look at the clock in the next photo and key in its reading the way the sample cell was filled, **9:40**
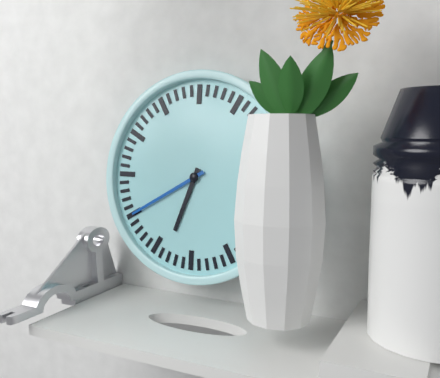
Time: **6:40**
